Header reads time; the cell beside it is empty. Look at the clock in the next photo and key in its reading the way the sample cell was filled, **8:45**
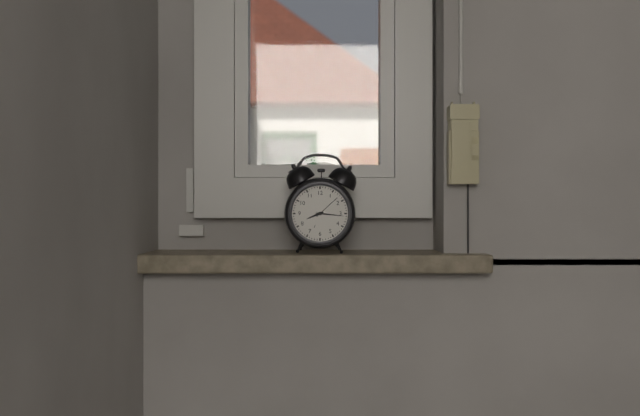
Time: **8:16**
